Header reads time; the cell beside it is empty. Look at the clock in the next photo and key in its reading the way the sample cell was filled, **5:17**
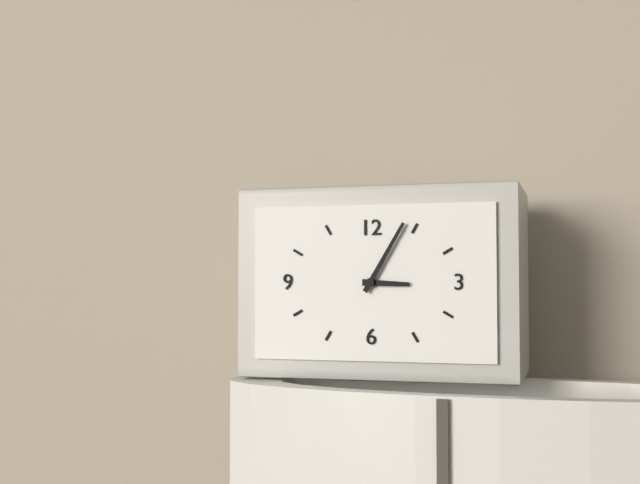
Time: **3:05**
